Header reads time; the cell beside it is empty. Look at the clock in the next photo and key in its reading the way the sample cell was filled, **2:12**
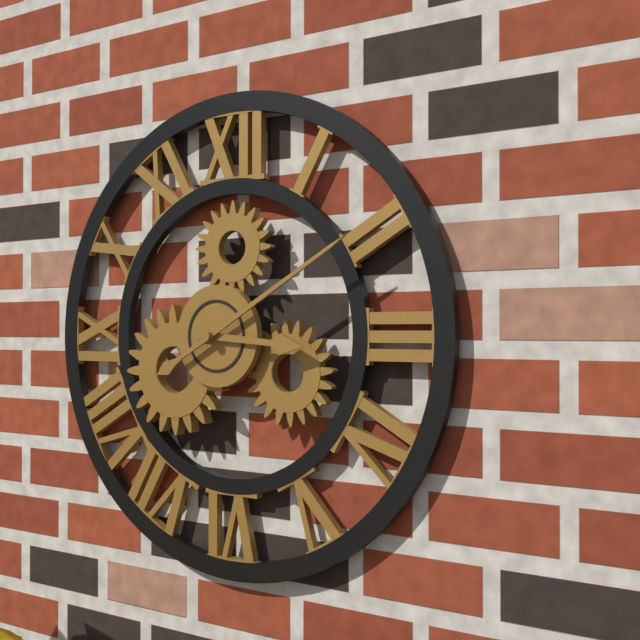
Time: **3:10**
